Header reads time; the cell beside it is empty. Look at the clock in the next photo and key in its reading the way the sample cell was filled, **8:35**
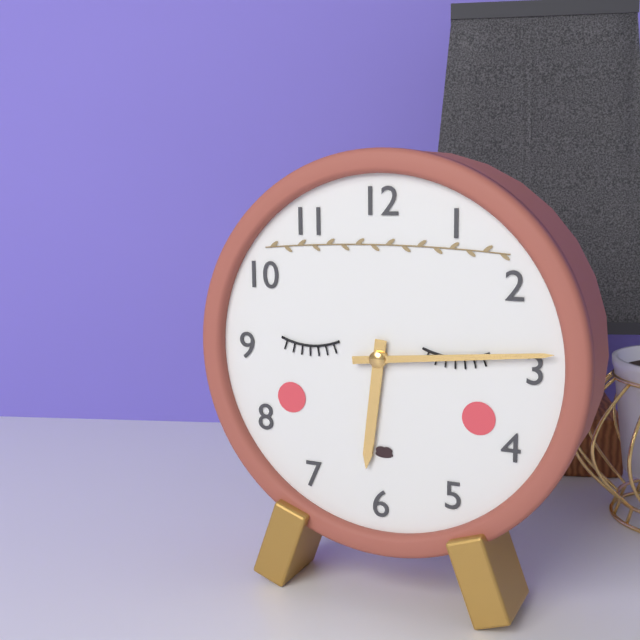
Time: **6:14**
